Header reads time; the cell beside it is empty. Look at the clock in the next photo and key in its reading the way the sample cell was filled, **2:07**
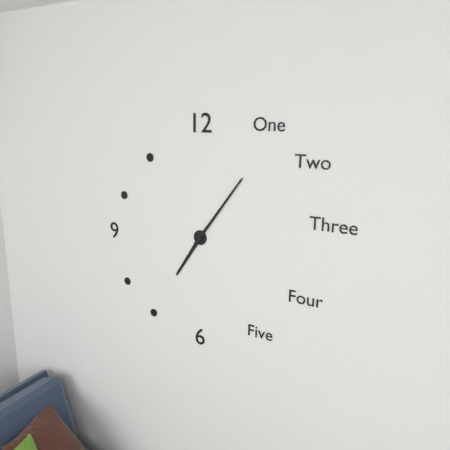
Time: **7:06**
